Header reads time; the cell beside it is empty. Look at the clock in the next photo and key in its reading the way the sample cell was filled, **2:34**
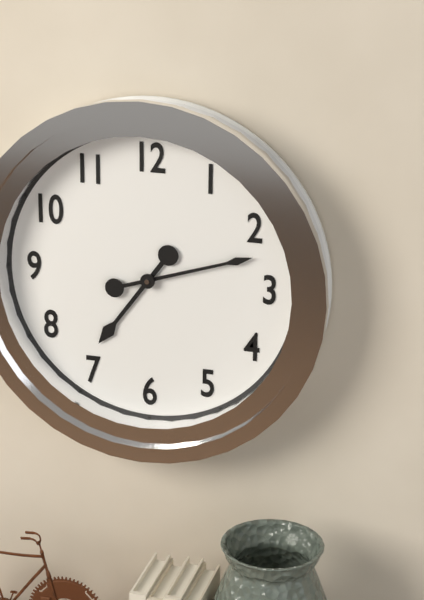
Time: **7:12**
